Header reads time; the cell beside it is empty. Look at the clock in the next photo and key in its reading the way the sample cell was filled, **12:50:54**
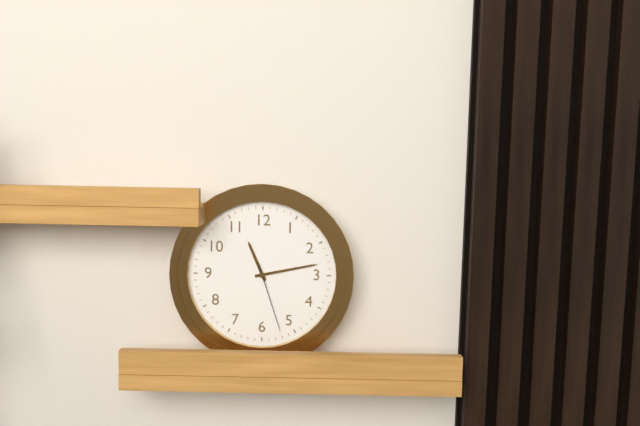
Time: **11:13:27**
